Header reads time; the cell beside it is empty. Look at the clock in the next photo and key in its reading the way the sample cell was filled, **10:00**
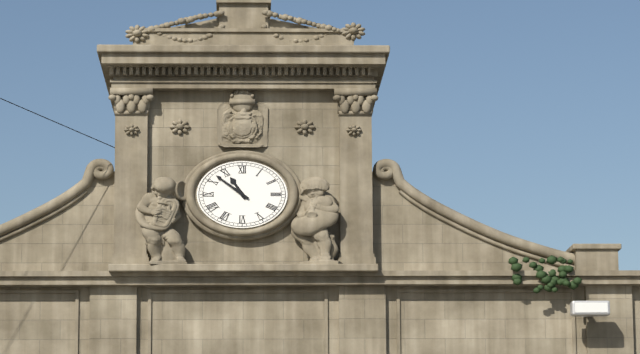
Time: **10:51**
